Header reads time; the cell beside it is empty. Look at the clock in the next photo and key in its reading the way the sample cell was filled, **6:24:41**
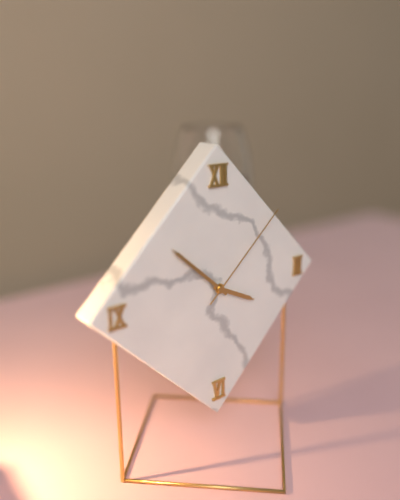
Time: **3:52:08**
